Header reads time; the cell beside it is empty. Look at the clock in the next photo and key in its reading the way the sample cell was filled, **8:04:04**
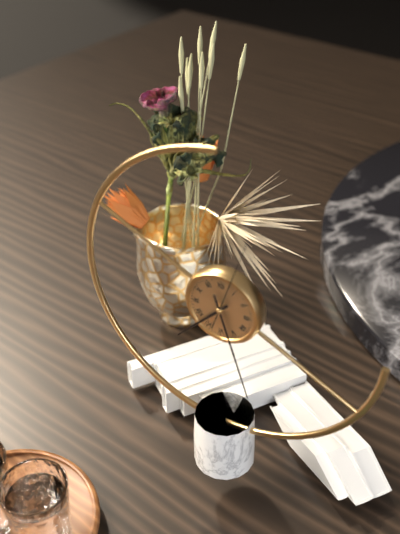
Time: **7:27:03**
